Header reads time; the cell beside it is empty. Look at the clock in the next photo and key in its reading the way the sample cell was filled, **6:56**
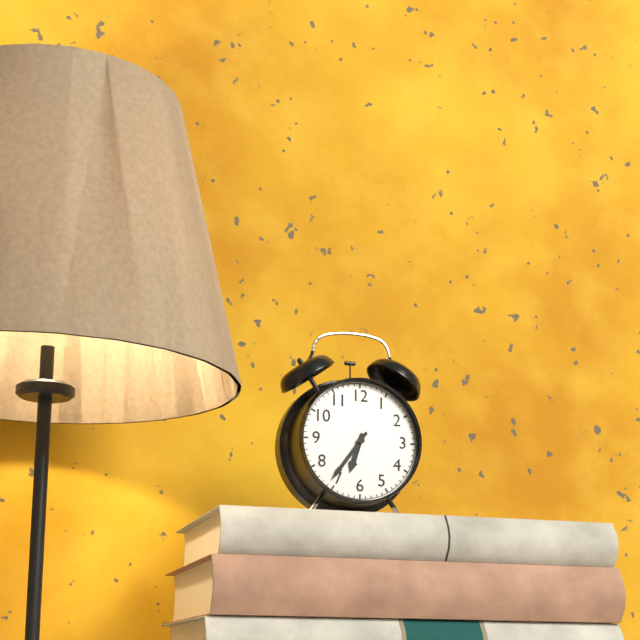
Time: **6:36**
